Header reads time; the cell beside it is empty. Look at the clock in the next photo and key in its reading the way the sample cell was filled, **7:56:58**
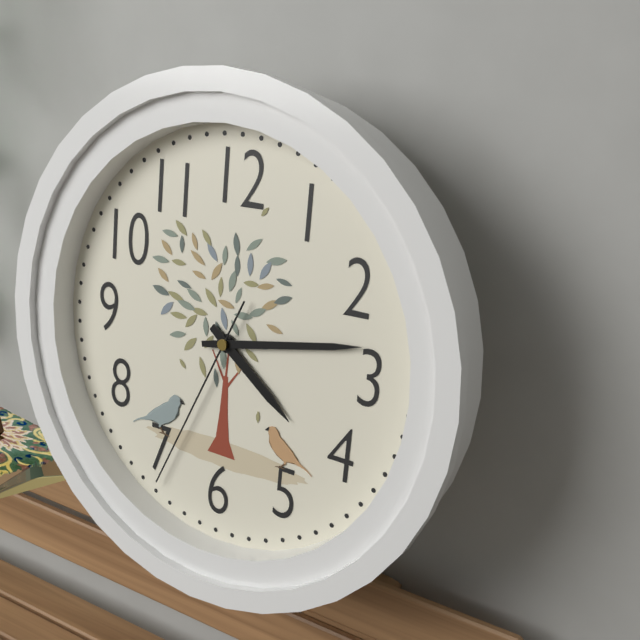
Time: **4:13:34**
